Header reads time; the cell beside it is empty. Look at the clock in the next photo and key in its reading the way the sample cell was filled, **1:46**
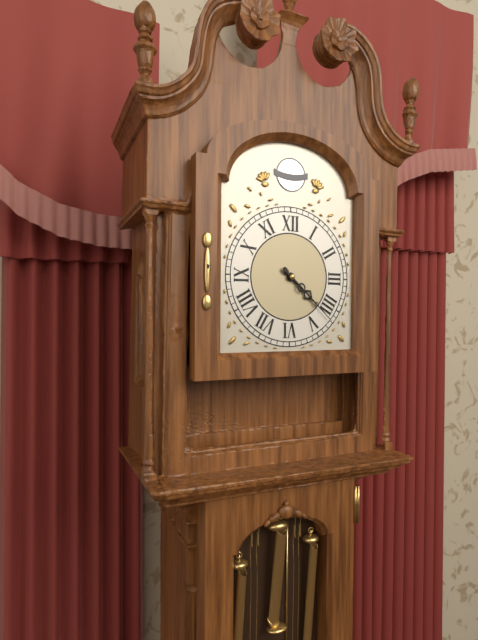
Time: **4:22**
